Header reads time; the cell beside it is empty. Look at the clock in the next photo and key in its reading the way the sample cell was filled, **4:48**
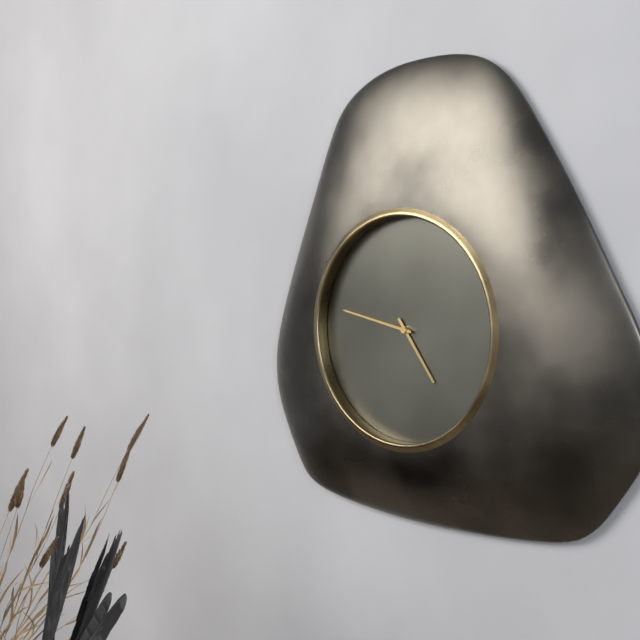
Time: **4:47**
